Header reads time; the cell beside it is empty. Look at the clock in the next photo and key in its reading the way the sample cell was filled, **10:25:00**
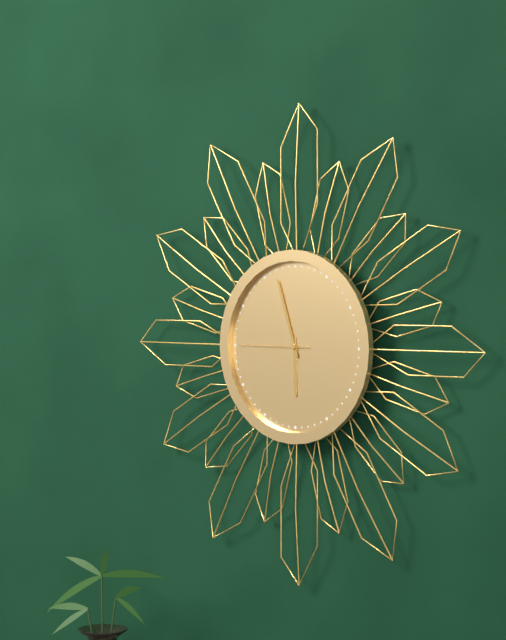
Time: **5:57:45**
